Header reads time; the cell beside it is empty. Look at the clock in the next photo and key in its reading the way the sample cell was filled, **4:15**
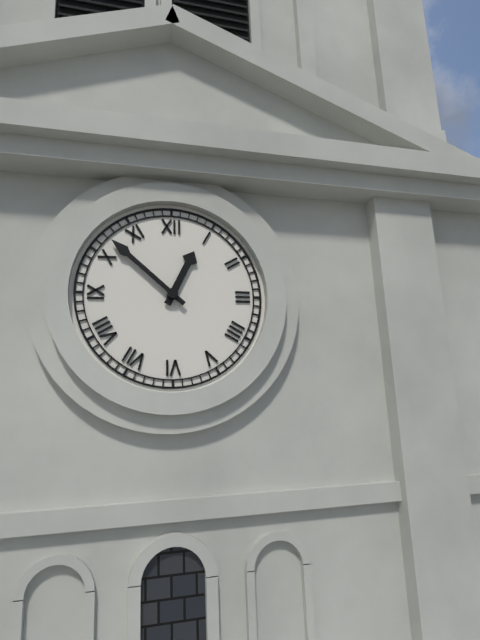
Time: **12:52**
